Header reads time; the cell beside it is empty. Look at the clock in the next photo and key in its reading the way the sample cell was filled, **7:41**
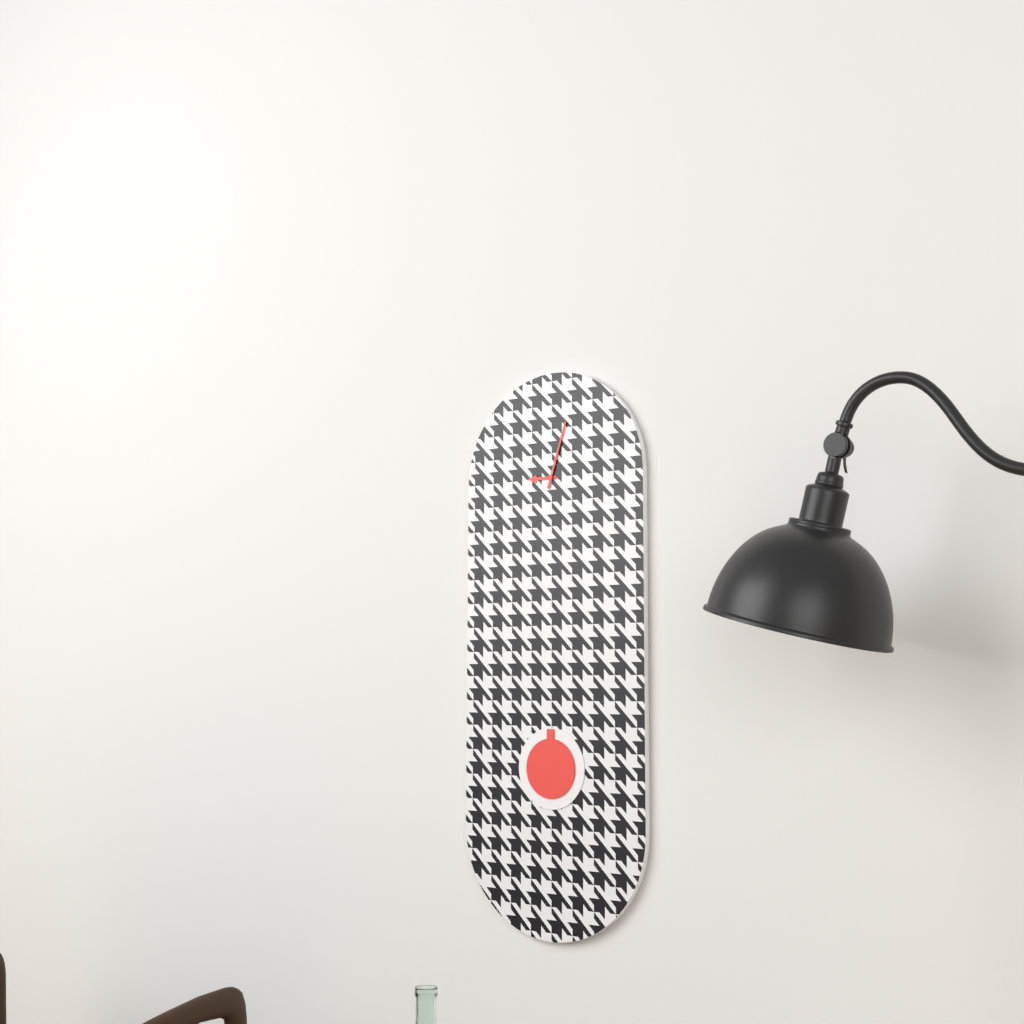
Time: **9:03**
